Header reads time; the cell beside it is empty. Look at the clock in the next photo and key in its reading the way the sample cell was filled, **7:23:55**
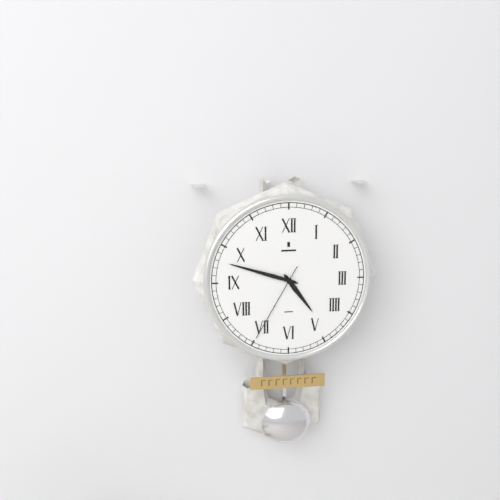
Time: **4:48:35**
